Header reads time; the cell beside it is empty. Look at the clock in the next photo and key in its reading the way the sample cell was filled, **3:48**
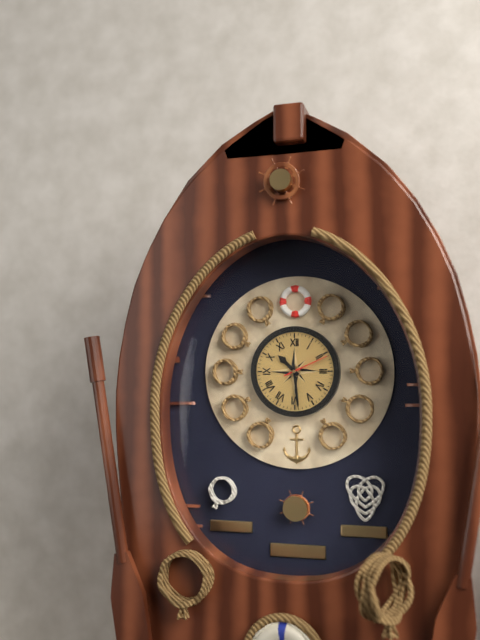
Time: **10:29**
